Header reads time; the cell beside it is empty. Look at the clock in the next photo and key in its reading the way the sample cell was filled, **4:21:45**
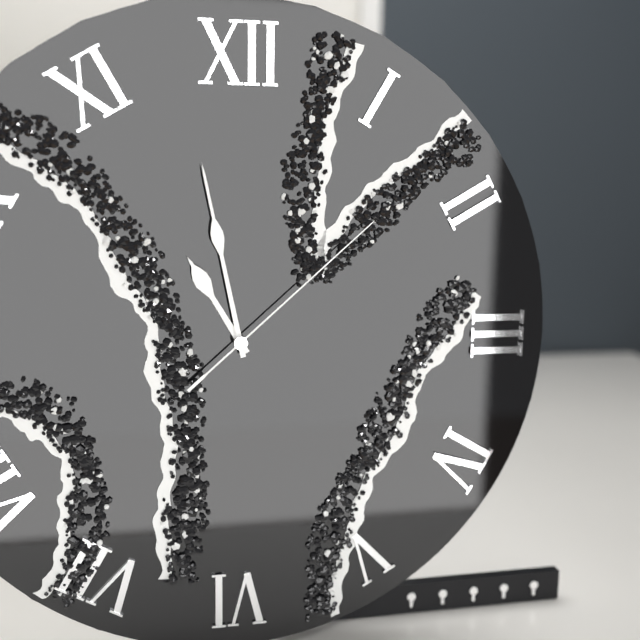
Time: **10:58:08**
